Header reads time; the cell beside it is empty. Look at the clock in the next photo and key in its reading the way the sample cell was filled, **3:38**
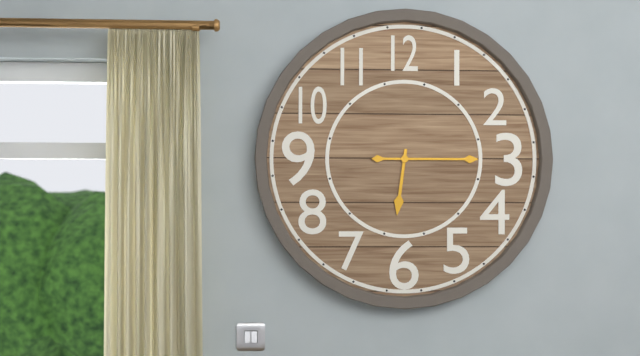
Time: **6:15**
